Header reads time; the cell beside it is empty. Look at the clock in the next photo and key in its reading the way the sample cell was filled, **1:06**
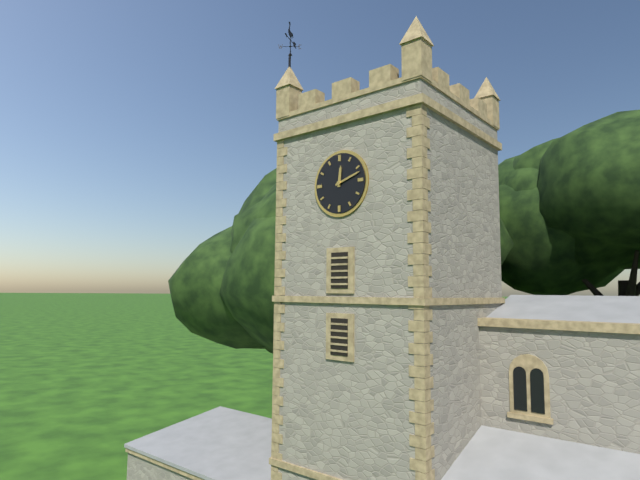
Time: **12:12**
